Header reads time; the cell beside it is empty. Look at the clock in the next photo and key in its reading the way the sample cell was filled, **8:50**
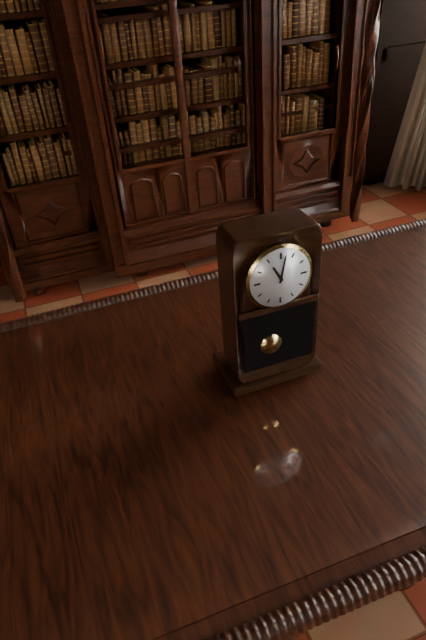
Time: **11:02**
